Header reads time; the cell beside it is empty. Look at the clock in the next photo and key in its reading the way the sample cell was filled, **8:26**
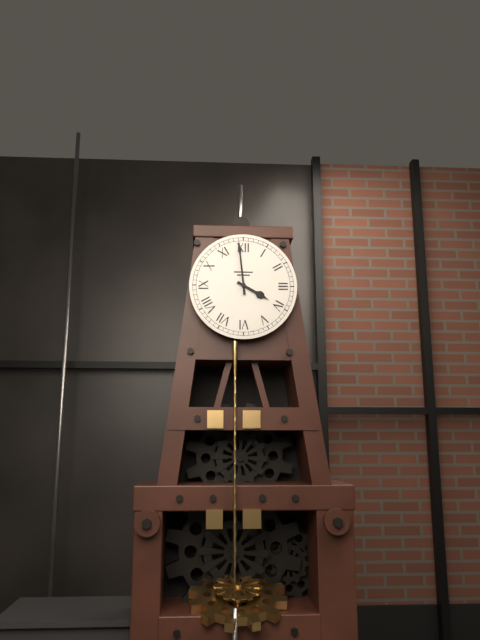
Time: **3:59**
